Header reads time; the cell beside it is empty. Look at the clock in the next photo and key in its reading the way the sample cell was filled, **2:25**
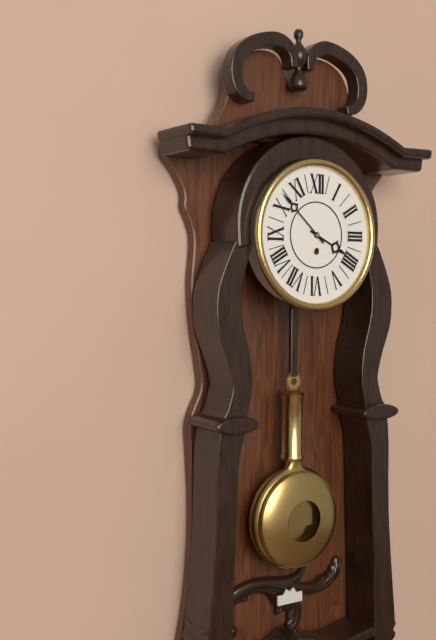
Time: **3:52**
